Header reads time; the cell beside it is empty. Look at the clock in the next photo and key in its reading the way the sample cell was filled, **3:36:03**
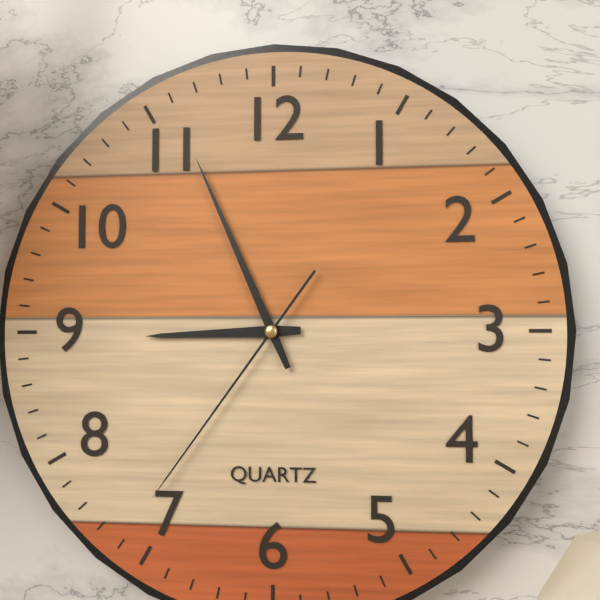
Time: **8:56:36**
